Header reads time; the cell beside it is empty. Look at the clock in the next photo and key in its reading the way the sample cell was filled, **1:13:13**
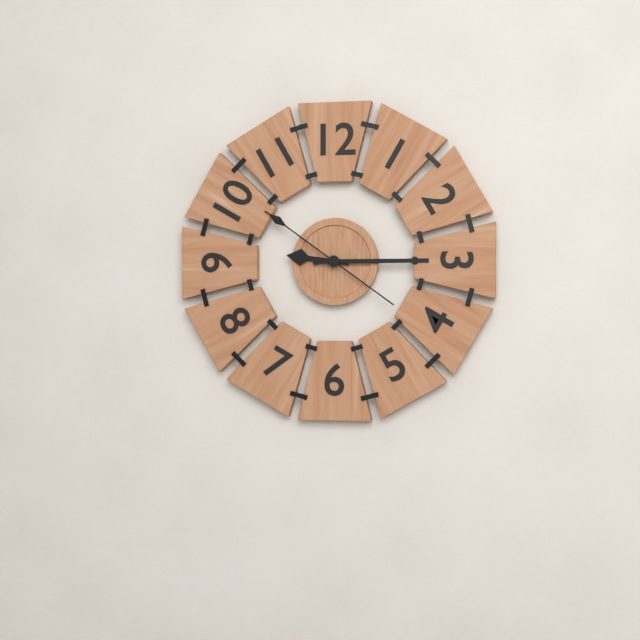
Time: **9:15:51**
